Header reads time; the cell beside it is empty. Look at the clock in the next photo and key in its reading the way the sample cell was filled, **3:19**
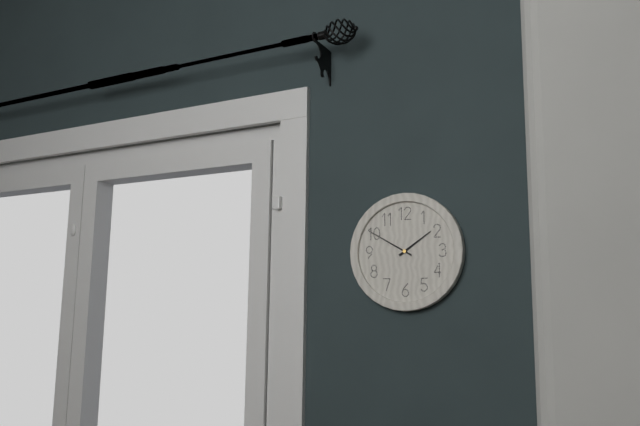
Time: **1:50**
